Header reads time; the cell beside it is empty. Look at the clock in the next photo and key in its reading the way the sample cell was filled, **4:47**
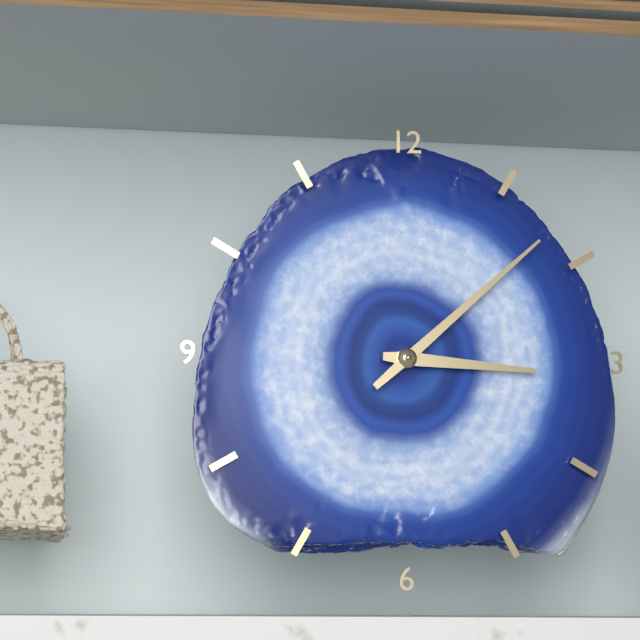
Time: **3:08**
